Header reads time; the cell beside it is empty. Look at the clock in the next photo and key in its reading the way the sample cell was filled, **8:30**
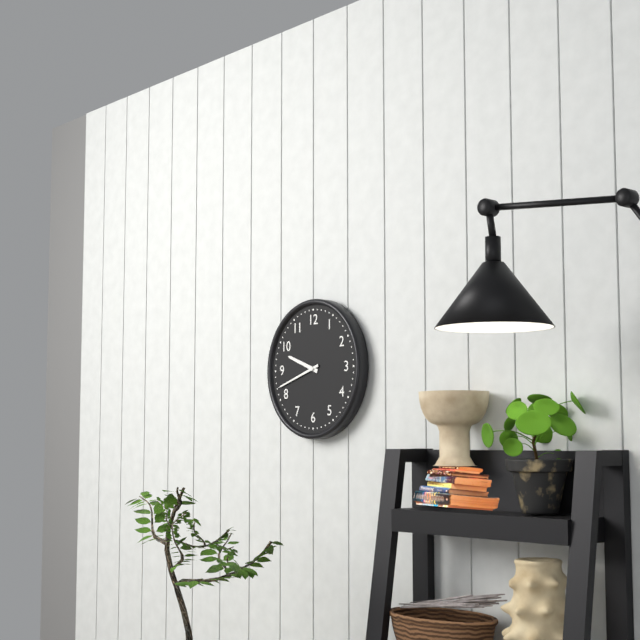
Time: **9:42**
